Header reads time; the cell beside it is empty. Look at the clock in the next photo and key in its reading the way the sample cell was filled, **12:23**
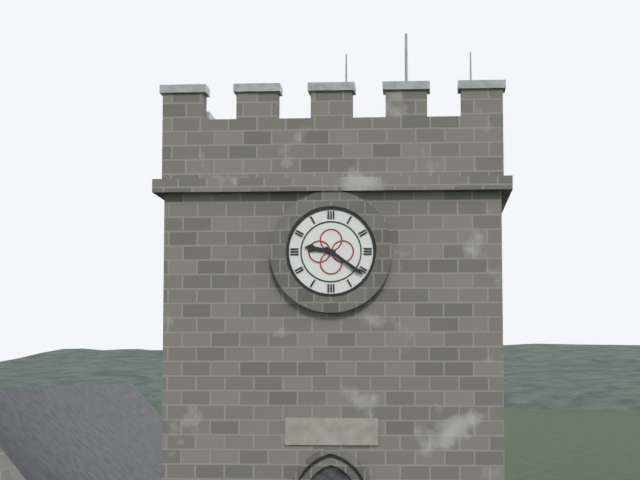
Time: **9:21**
